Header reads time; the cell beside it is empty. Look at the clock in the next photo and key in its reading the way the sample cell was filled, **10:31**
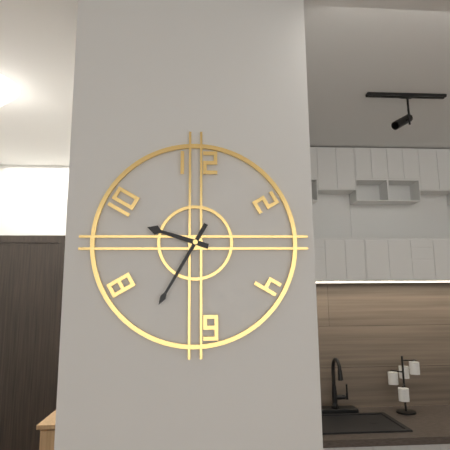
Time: **9:35**
